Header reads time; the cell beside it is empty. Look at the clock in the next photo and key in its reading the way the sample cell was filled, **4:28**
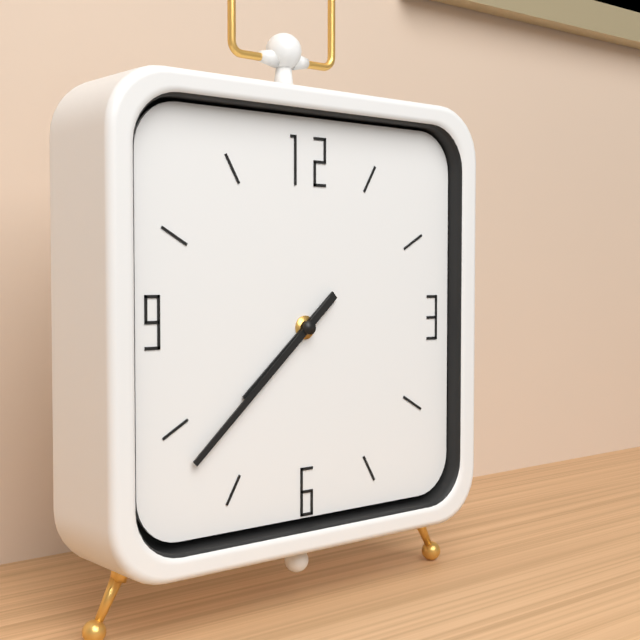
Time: **7:38**
